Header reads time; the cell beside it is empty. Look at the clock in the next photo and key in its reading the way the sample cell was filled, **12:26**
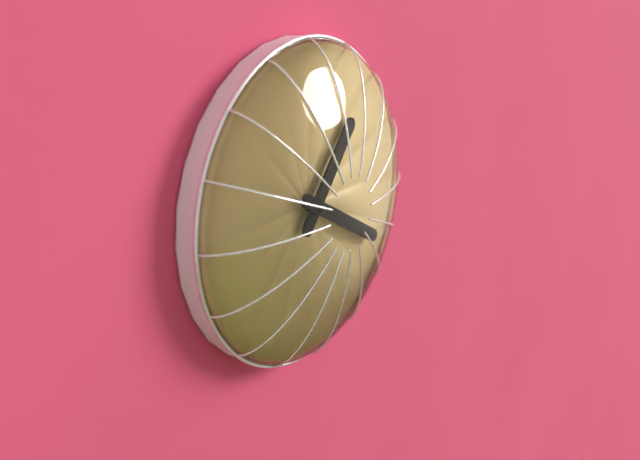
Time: **1:20**
